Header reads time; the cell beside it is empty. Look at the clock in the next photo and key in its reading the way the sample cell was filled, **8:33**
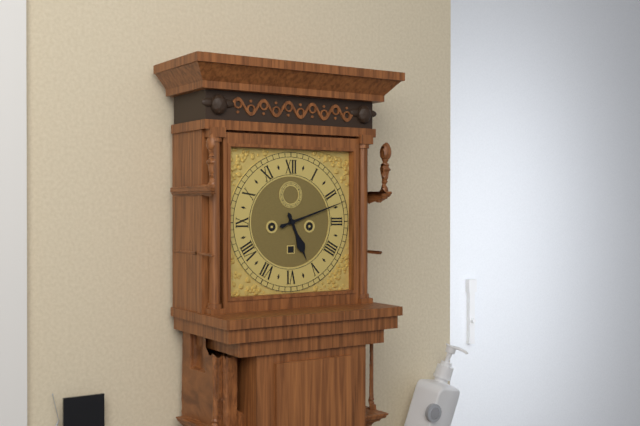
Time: **5:12**
